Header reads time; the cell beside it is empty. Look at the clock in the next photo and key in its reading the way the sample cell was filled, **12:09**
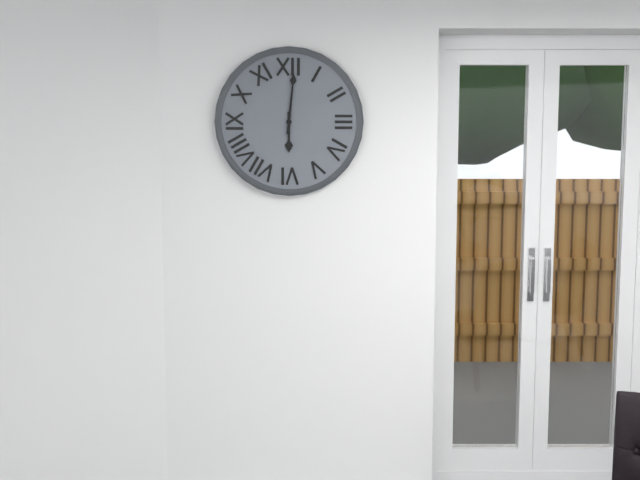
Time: **6:01**
